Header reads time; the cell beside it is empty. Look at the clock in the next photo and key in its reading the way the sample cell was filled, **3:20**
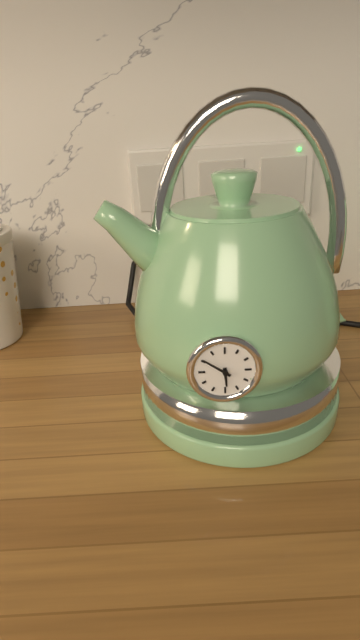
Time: **5:51**
